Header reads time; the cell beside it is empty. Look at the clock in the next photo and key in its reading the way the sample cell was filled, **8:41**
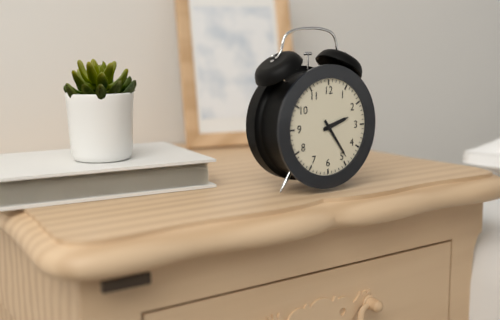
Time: **2:24**
